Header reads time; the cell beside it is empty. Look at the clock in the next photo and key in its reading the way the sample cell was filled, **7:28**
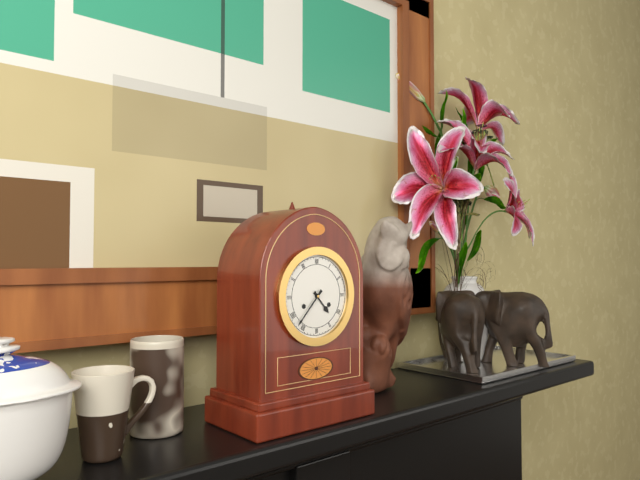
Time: **4:37**
